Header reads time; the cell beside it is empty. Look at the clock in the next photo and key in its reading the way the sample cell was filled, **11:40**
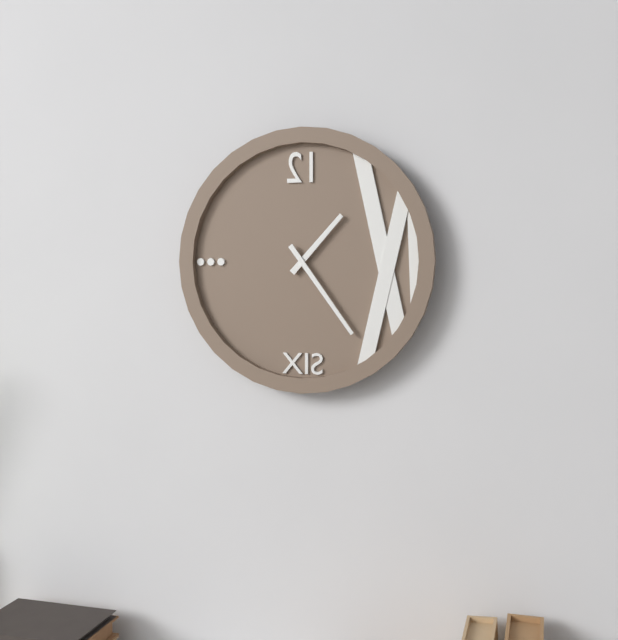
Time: **1:24**
